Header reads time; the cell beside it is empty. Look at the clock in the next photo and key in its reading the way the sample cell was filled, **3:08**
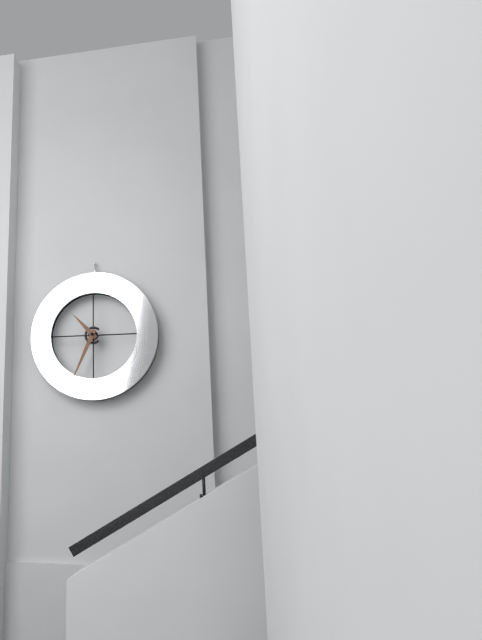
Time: **10:34**
